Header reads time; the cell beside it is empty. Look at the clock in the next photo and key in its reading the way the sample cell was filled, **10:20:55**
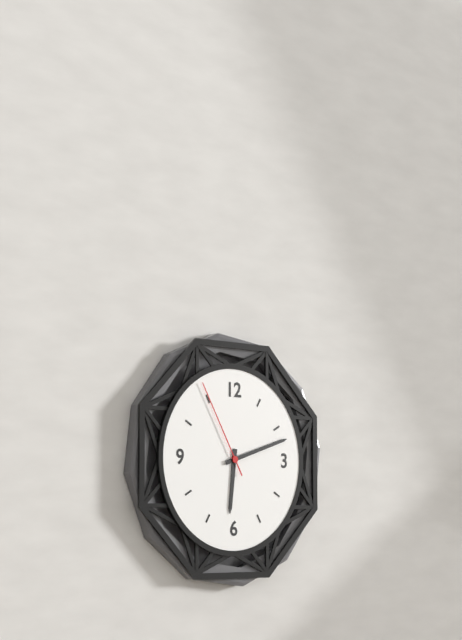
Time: **6:12:55**
